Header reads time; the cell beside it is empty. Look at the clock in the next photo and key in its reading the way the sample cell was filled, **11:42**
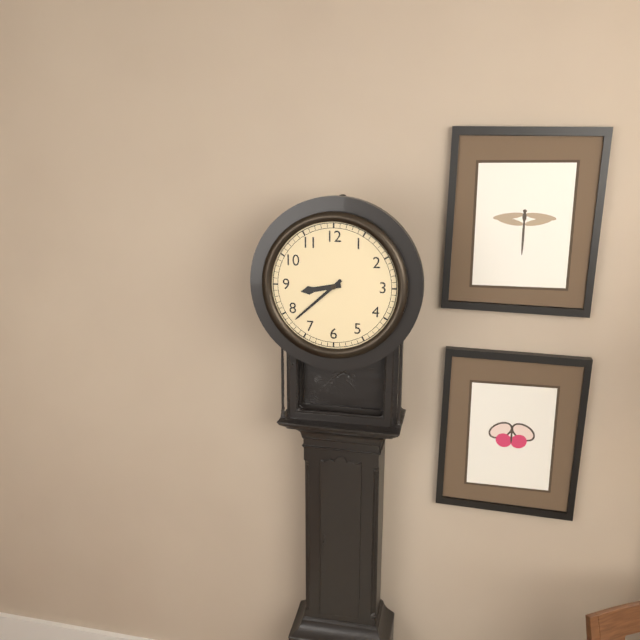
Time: **8:38**
